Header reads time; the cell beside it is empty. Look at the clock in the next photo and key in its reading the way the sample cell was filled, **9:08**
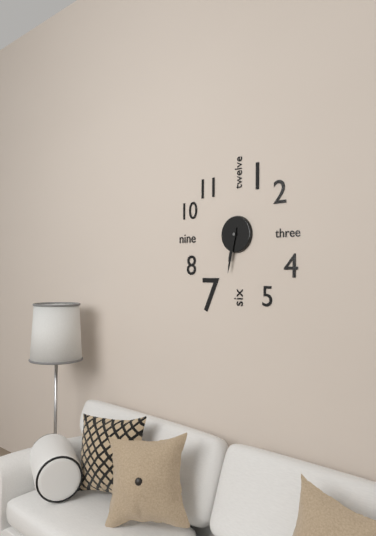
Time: **6:32**
